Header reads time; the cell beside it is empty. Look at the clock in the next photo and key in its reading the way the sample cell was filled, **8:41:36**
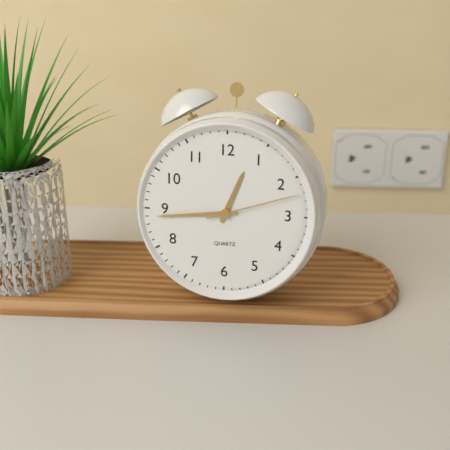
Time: **12:44:12**
